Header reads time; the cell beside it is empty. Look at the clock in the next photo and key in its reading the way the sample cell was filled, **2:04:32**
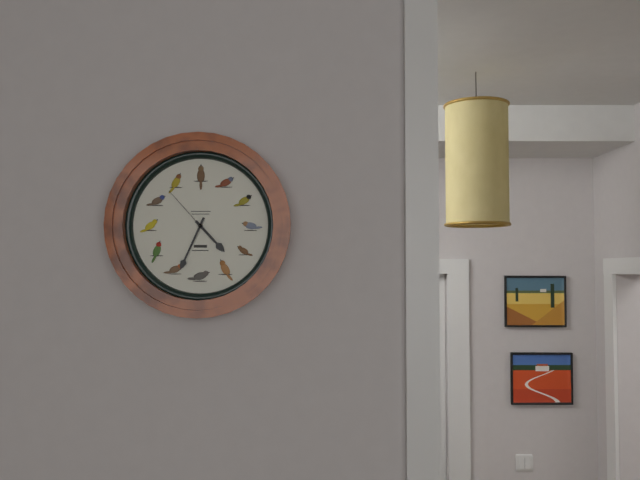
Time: **4:34:53**
